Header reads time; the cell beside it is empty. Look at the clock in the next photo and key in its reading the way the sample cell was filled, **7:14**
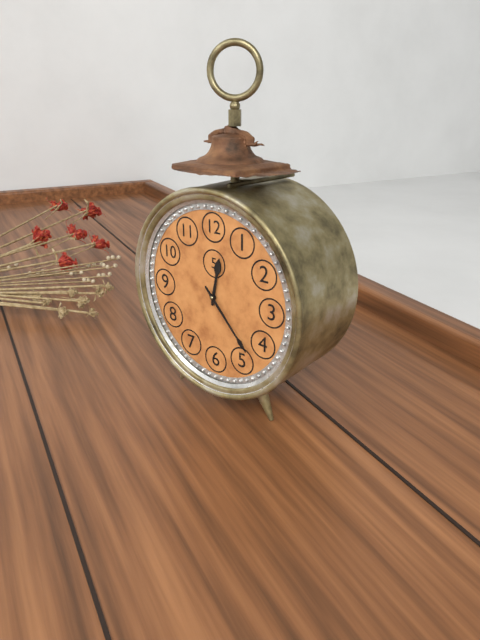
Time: **12:23**
